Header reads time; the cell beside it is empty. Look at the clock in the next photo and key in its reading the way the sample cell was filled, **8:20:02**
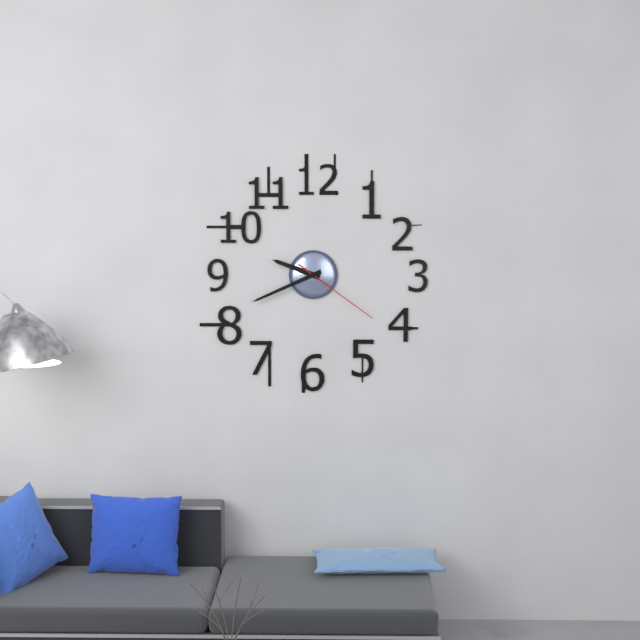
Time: **9:41:21**
